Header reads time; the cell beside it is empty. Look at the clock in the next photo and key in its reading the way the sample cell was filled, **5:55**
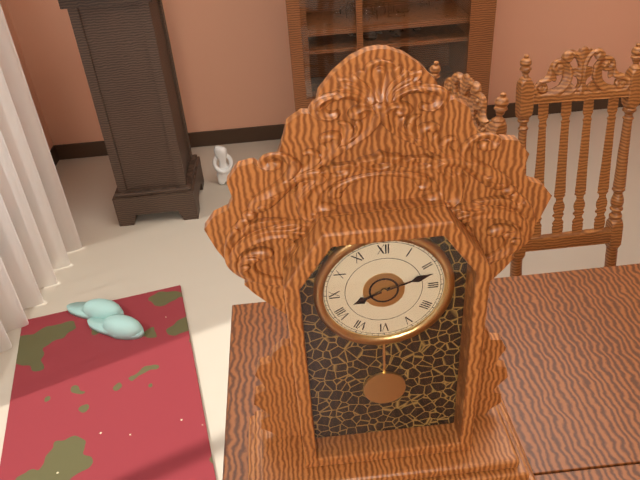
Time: **8:12**
